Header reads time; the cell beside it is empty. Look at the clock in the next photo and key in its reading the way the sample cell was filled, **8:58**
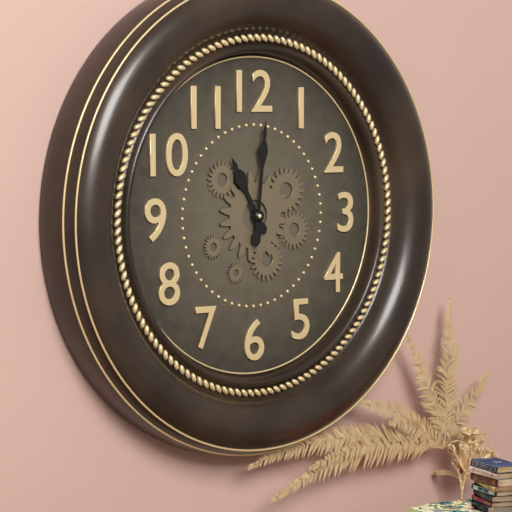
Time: **11:01**
